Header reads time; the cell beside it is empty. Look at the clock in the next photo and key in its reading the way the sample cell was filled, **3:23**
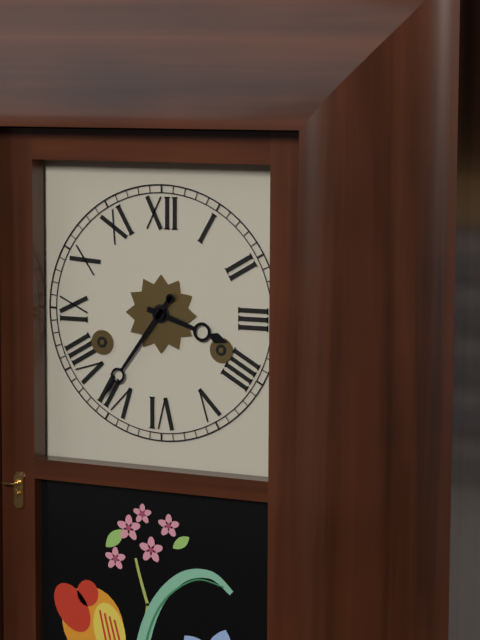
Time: **3:36**
